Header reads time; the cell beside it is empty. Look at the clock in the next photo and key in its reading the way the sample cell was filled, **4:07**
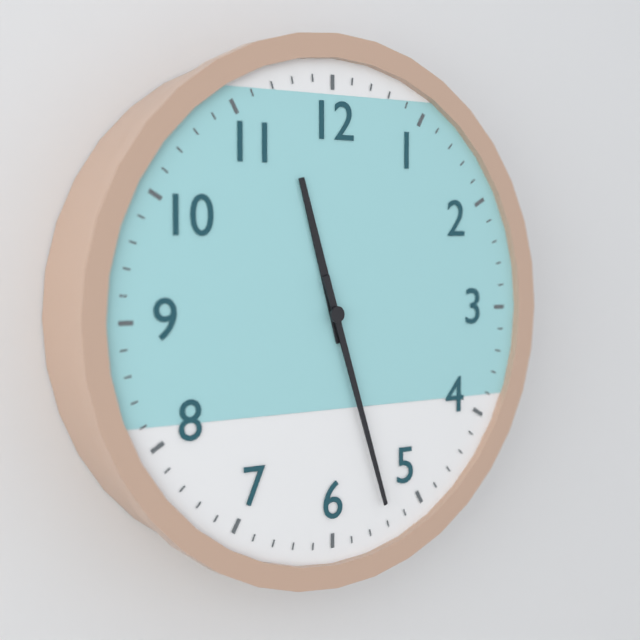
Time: **11:27**
